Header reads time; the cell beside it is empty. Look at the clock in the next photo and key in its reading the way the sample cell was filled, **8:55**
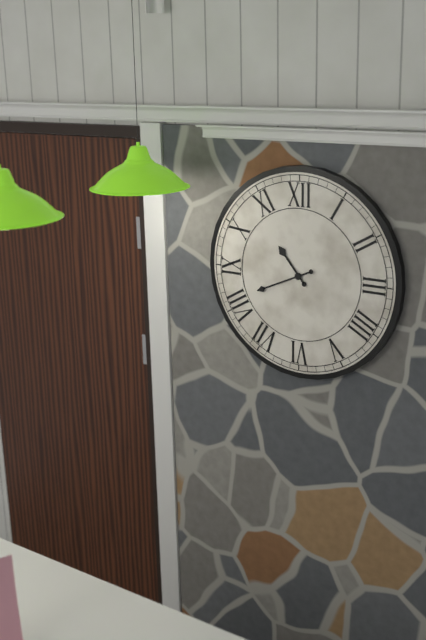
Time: **10:41**
